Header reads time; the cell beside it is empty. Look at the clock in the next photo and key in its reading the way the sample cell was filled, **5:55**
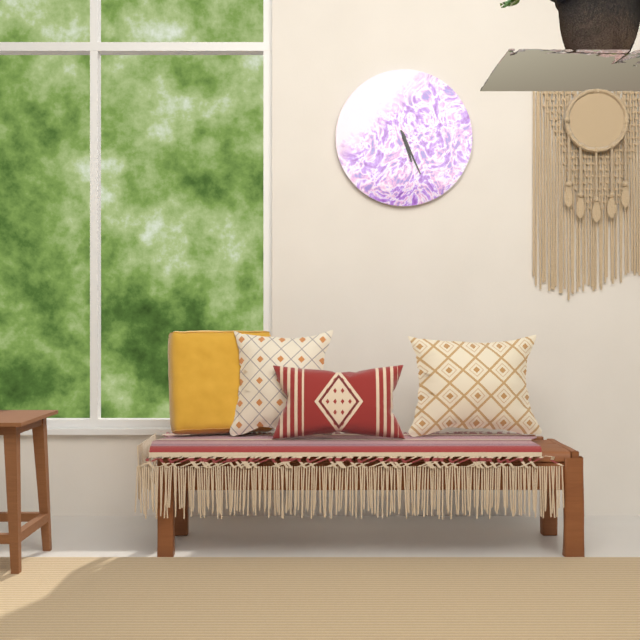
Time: **5:26**
